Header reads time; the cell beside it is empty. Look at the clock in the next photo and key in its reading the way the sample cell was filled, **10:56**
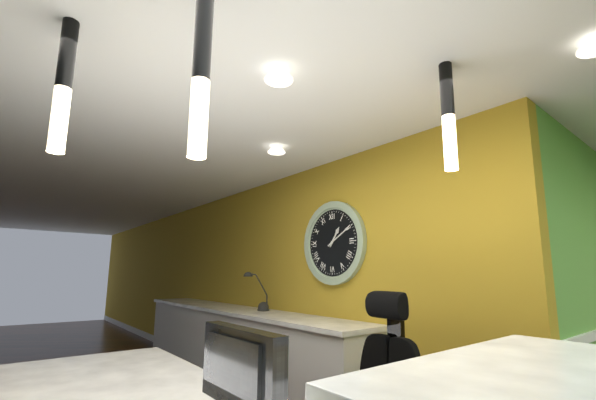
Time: **1:10**
